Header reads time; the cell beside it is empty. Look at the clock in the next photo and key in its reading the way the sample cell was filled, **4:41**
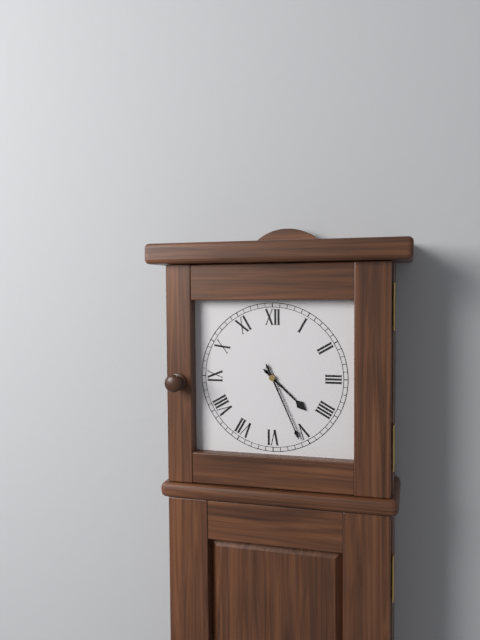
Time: **4:26**
